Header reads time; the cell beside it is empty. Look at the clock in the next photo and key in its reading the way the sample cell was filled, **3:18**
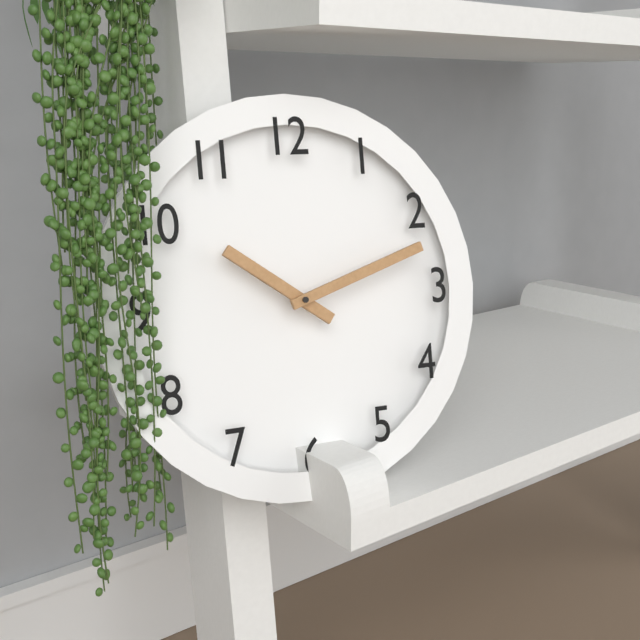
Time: **10:12**
